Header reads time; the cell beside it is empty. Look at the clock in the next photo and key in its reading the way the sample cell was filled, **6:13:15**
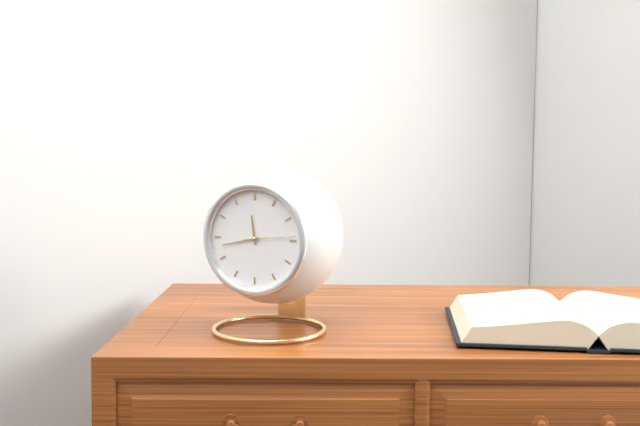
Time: **11:43:14**
